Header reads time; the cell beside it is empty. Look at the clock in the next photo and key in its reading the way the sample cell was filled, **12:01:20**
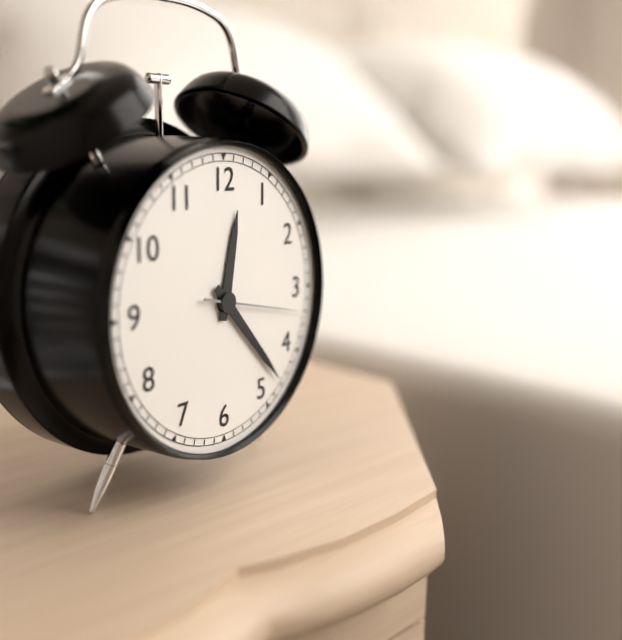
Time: **12:23:17**
